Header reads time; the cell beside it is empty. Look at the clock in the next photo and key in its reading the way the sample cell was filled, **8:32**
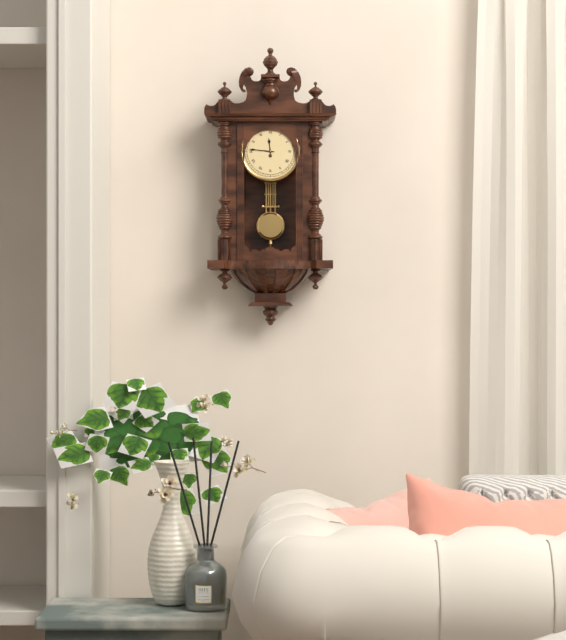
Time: **11:46**
